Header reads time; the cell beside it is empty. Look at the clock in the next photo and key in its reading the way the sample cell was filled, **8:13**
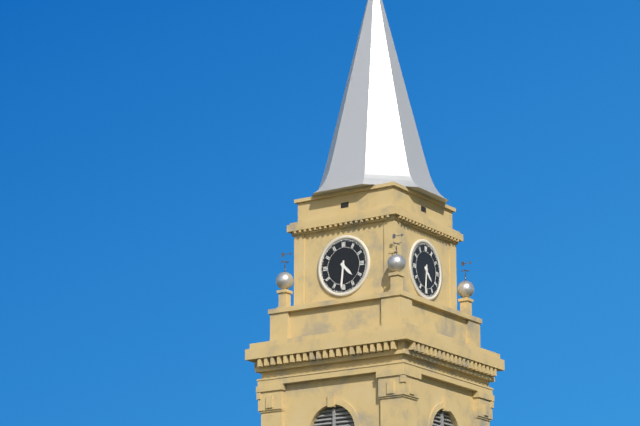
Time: **4:31**
